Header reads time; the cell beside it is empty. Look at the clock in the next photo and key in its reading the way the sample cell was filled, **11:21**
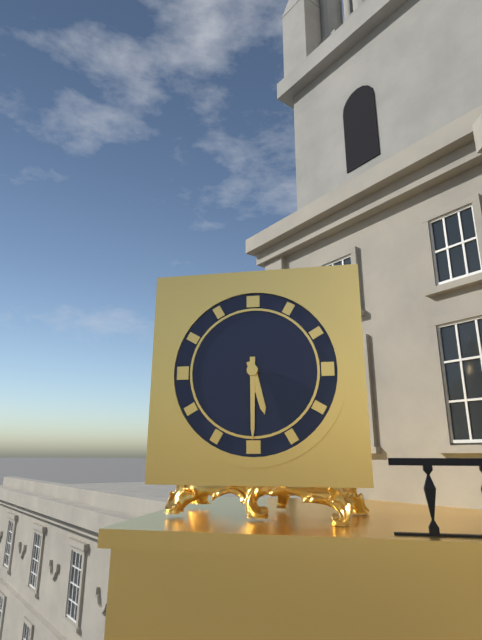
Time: **5:30**
